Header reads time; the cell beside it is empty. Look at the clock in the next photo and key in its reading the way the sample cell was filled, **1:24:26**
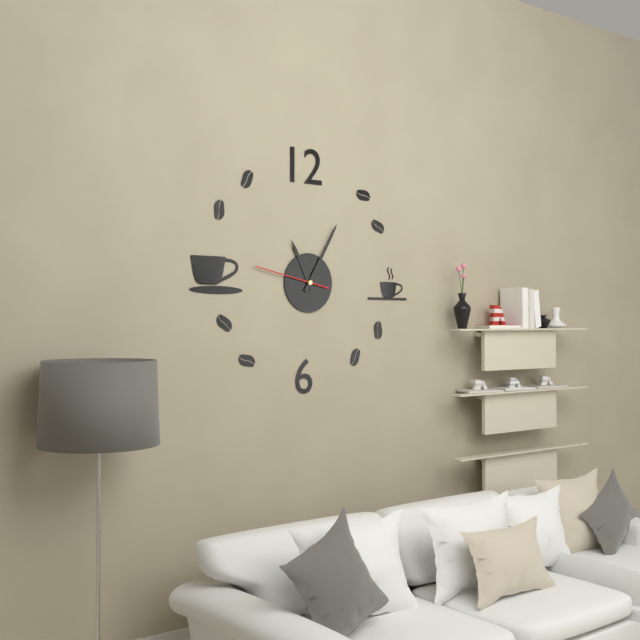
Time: **11:05:47**
